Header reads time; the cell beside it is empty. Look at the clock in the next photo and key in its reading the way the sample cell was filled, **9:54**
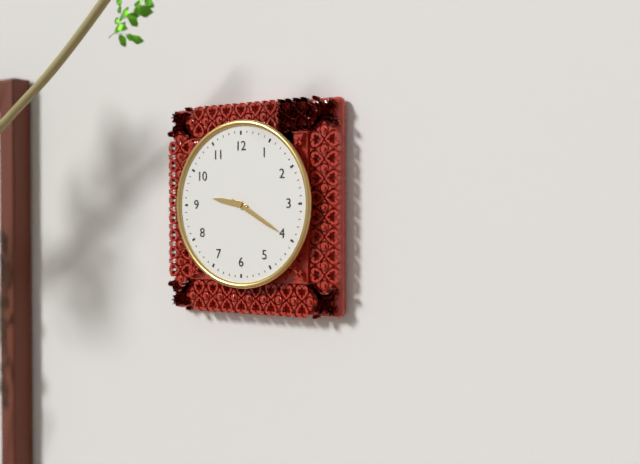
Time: **9:20**
